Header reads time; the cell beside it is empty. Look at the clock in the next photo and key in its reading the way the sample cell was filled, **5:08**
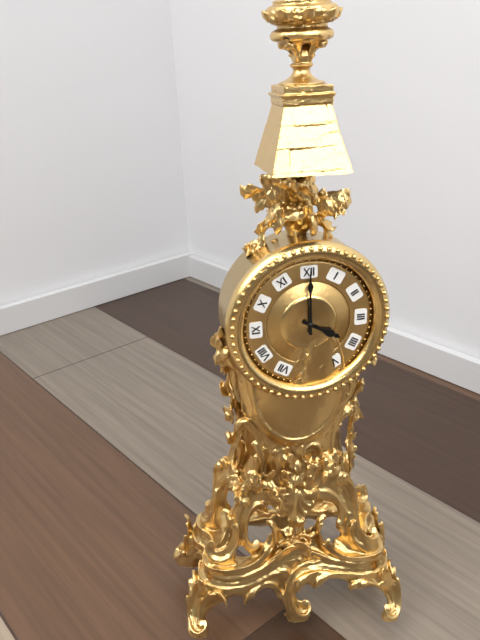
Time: **4:00**
